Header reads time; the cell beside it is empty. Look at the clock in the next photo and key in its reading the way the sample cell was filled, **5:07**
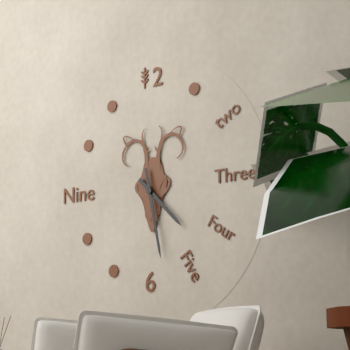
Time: **4:28**
